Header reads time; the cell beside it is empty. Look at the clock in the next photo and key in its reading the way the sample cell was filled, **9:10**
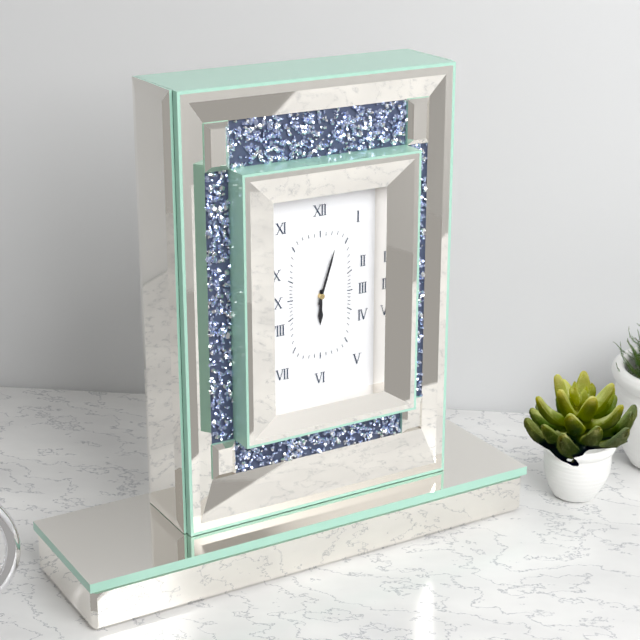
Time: **6:03**
